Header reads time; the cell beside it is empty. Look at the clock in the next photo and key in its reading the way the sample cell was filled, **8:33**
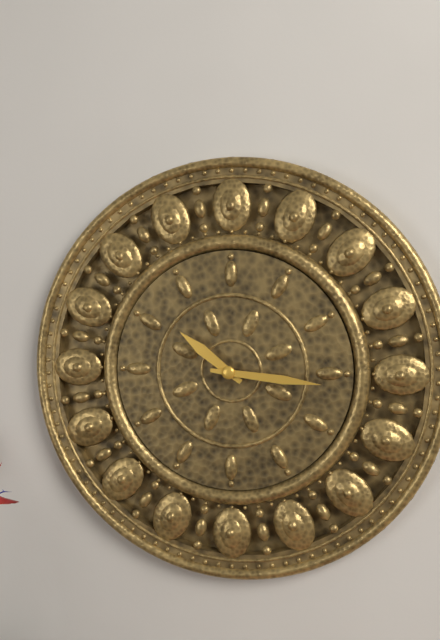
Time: **10:16**
